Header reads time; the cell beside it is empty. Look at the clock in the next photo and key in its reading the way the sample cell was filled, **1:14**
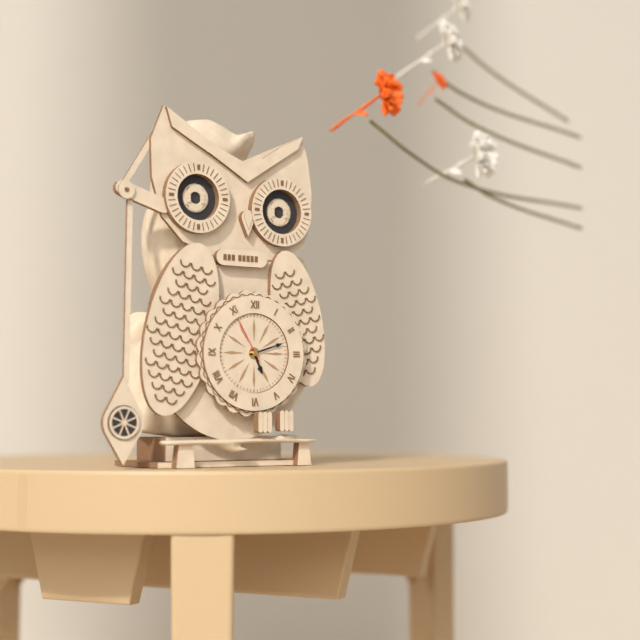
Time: **5:12**
